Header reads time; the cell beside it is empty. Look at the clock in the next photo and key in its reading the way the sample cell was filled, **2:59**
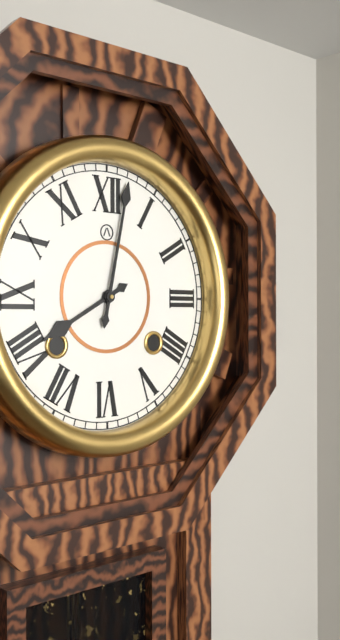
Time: **8:02**
